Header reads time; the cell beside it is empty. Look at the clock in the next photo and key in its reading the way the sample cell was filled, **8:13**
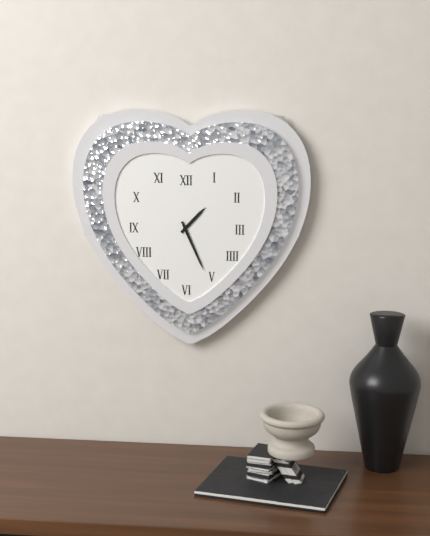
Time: **1:26**
